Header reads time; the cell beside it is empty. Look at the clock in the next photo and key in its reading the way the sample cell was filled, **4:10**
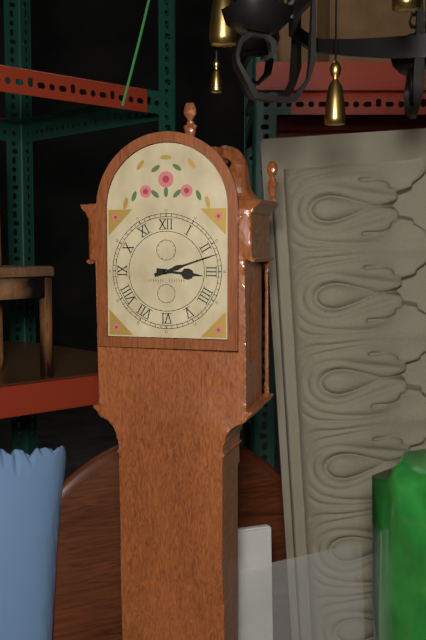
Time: **3:12**
